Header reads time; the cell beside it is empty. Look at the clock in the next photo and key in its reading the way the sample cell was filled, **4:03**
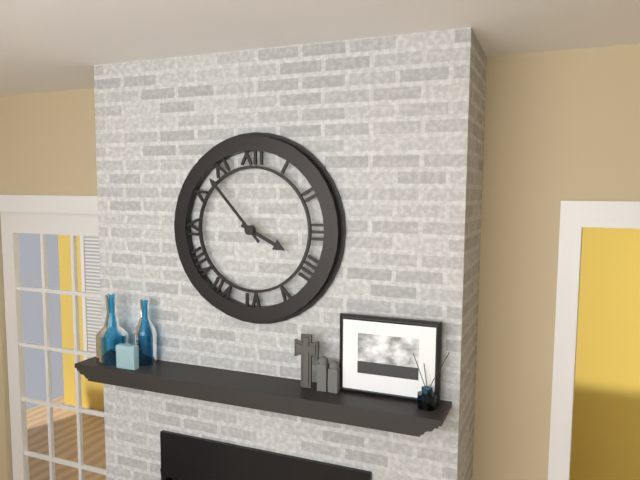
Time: **3:53**
